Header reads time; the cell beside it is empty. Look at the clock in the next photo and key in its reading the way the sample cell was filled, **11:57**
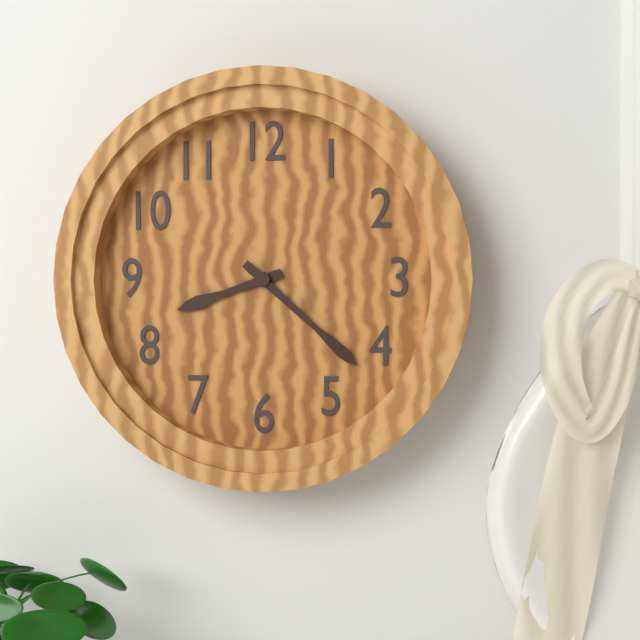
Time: **8:22**
